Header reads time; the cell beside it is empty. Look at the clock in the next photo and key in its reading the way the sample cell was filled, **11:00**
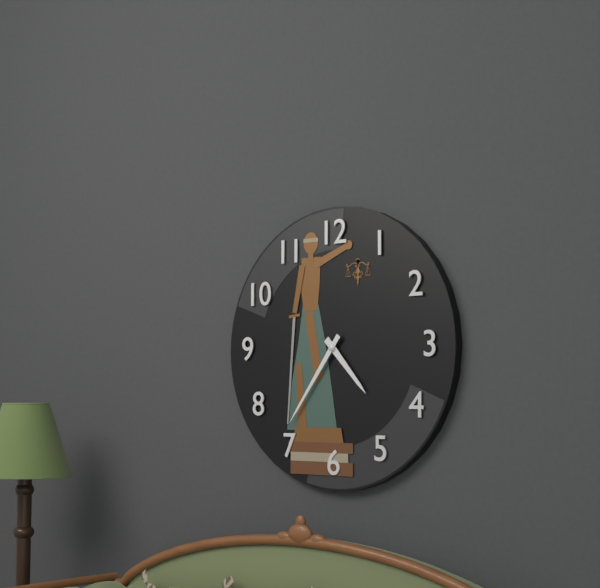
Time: **4:36**
